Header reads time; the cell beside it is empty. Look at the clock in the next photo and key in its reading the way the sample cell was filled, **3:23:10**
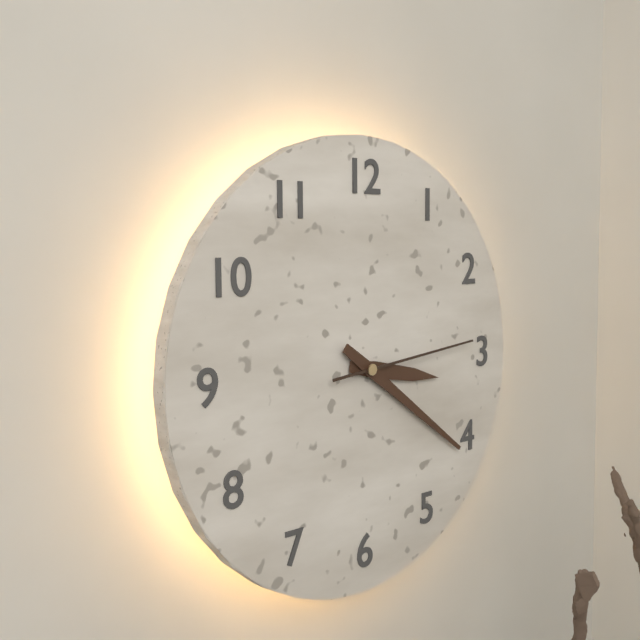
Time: **3:21:14**
